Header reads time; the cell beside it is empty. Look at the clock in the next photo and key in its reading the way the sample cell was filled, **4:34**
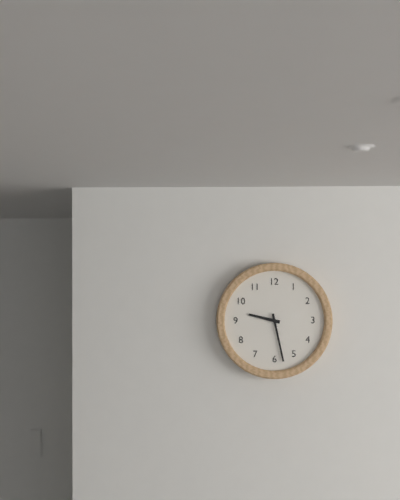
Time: **9:28**
